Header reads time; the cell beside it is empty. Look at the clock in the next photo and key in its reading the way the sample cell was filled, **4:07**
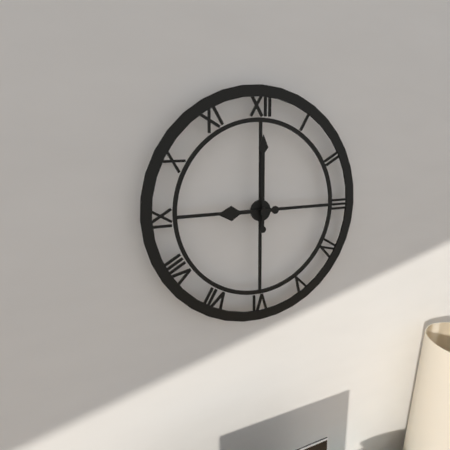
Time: **9:00**
